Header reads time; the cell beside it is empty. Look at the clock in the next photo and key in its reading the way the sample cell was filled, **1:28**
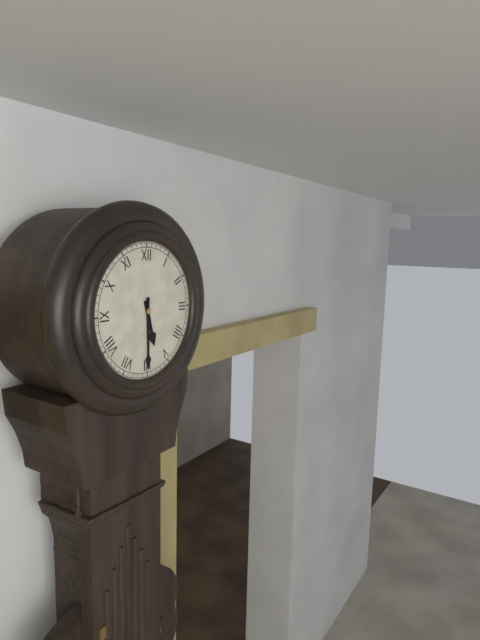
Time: **5:30**
